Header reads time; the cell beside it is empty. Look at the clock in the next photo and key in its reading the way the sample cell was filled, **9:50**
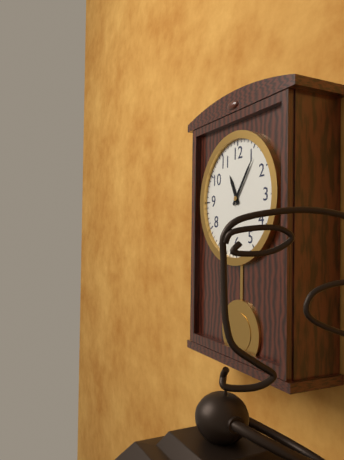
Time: **11:06**
